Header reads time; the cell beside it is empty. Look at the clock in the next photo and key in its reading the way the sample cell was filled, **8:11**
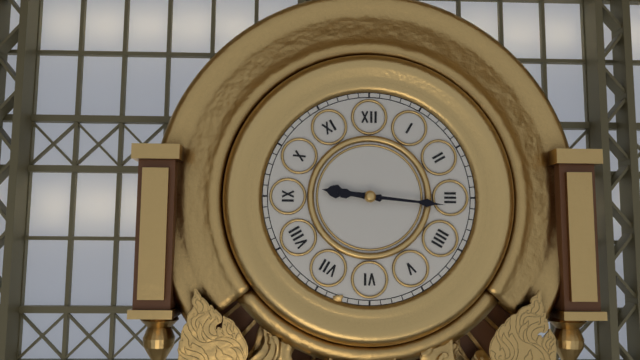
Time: **9:16**
